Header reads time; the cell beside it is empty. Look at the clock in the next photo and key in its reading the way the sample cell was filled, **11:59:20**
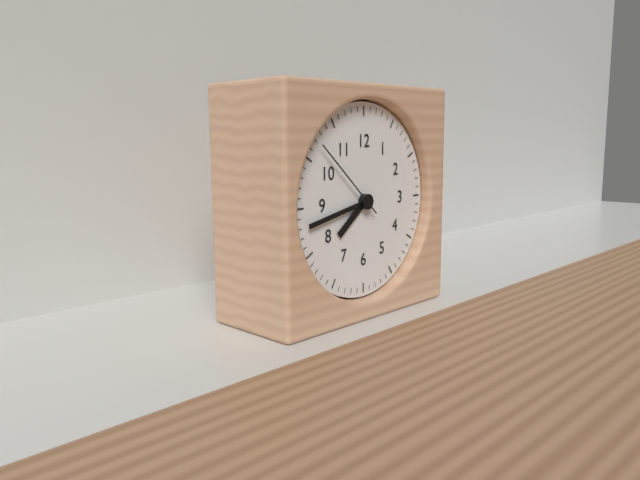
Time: **7:43:52**
